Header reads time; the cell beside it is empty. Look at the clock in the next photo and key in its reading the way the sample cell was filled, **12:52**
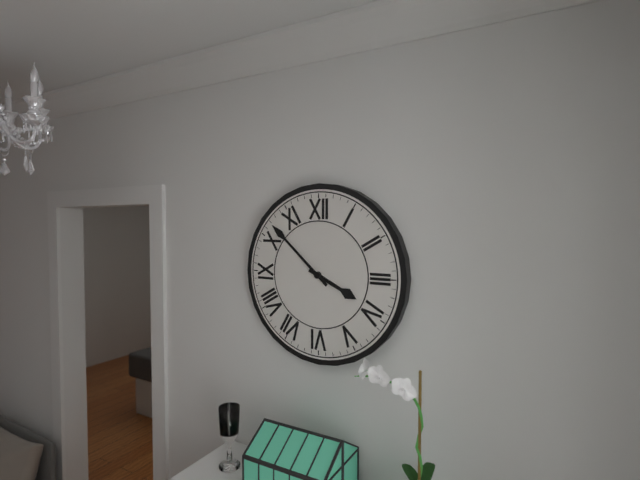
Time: **3:52**
